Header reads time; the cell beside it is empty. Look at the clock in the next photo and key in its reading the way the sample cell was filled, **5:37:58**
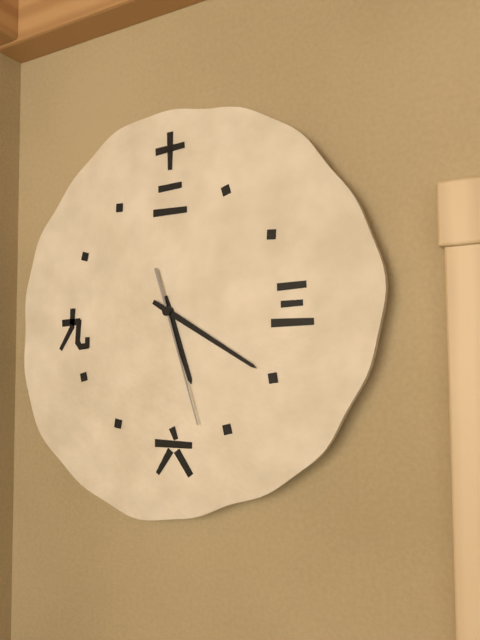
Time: **5:20:27**
